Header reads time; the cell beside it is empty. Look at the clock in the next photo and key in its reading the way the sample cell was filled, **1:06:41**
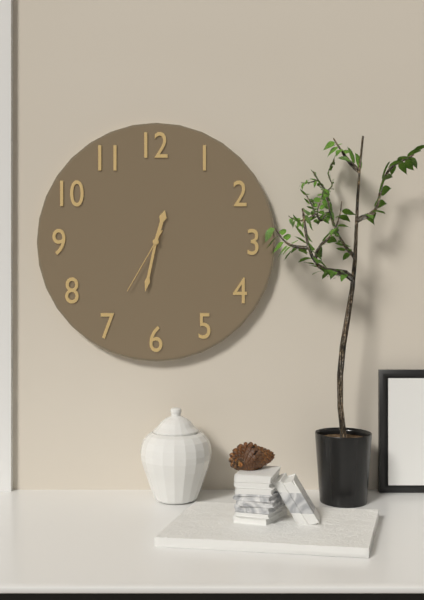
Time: **12:32:35**
